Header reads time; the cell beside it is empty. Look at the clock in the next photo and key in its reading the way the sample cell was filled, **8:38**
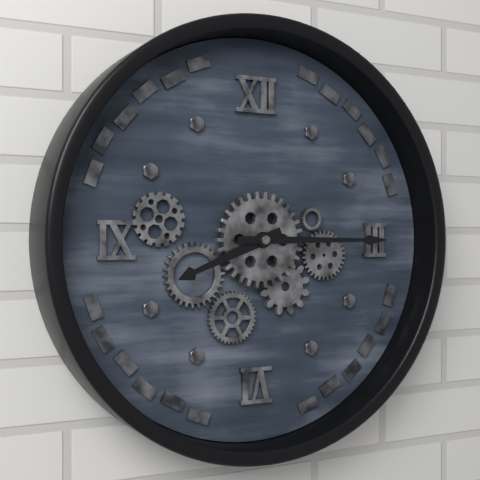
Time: **8:15**
